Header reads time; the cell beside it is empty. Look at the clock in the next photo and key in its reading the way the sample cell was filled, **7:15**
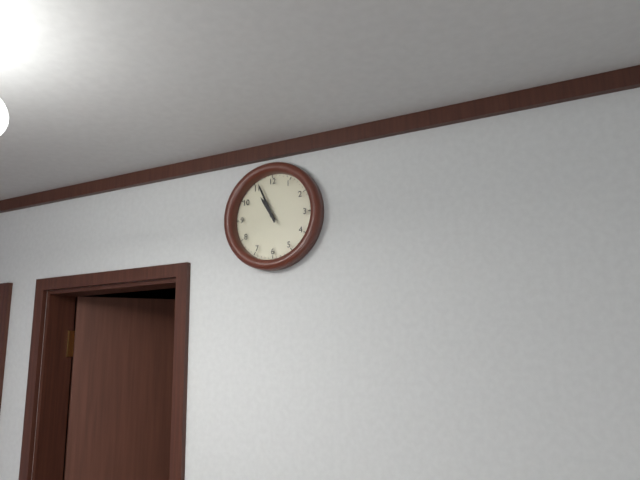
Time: **10:56**
